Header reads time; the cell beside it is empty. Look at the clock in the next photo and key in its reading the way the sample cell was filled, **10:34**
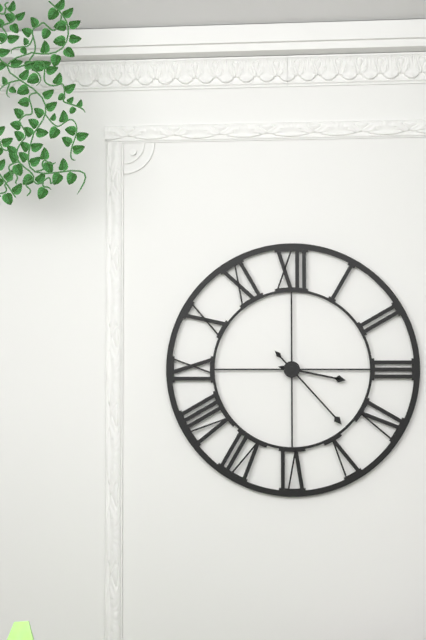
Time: **3:23**
